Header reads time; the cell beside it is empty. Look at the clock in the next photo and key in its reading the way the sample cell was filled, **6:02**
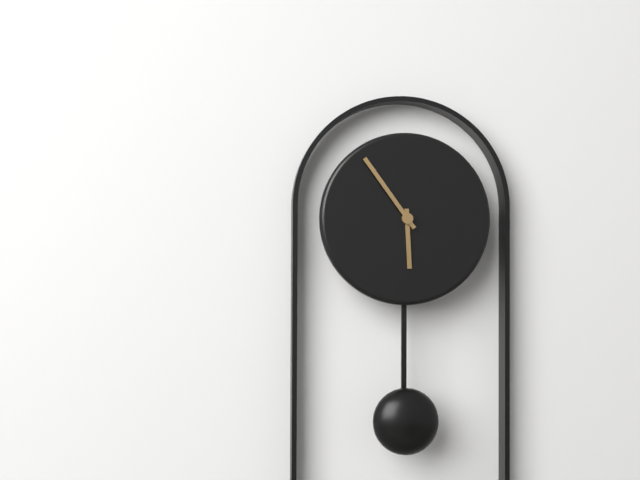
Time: **5:54**
